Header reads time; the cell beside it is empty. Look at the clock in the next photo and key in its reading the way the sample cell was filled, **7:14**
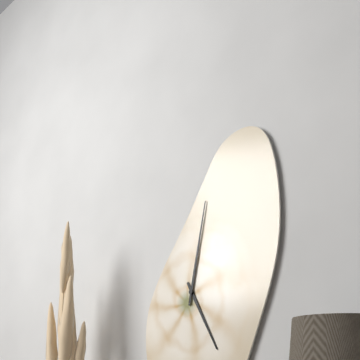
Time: **5:02**
